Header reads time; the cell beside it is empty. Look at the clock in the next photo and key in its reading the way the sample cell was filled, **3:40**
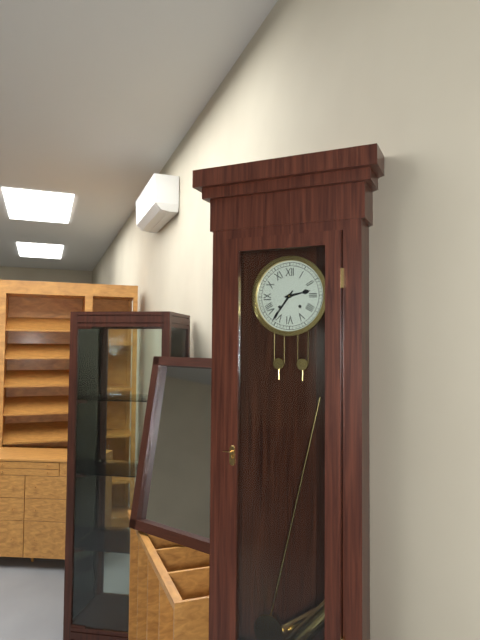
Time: **2:36**
